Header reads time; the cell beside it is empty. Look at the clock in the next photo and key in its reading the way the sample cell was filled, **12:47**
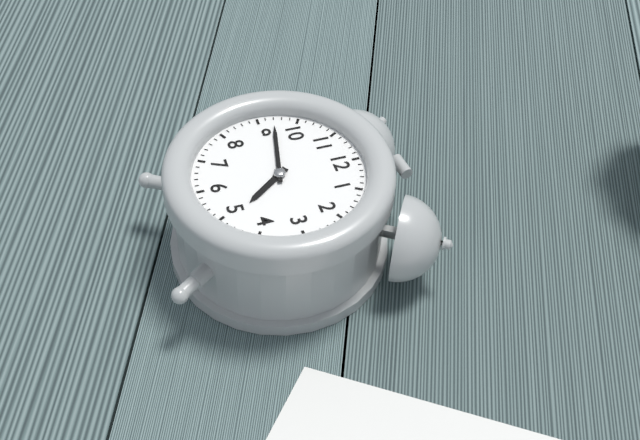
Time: **4:47**
